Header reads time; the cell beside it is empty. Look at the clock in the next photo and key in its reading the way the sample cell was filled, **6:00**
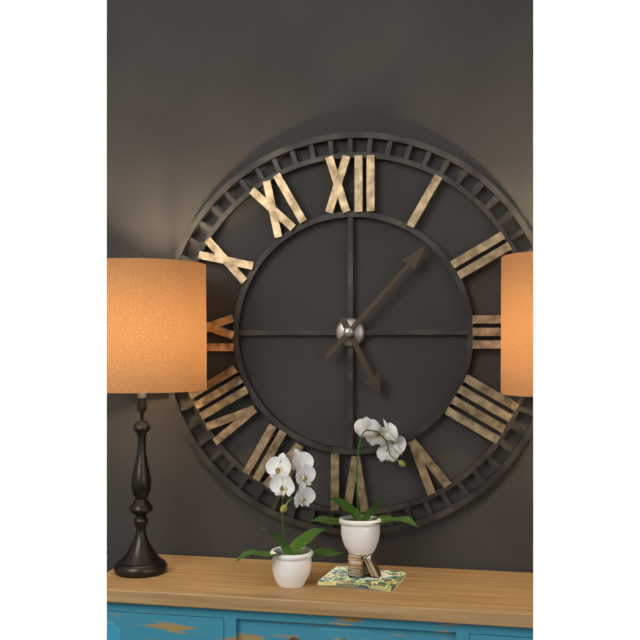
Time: **5:07**
